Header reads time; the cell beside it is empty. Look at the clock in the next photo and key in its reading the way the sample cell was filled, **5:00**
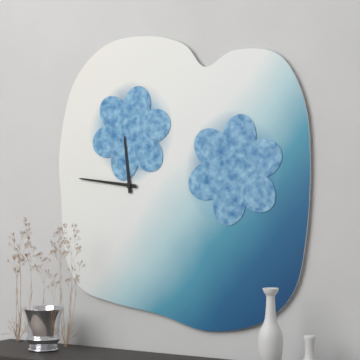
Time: **11:46**
